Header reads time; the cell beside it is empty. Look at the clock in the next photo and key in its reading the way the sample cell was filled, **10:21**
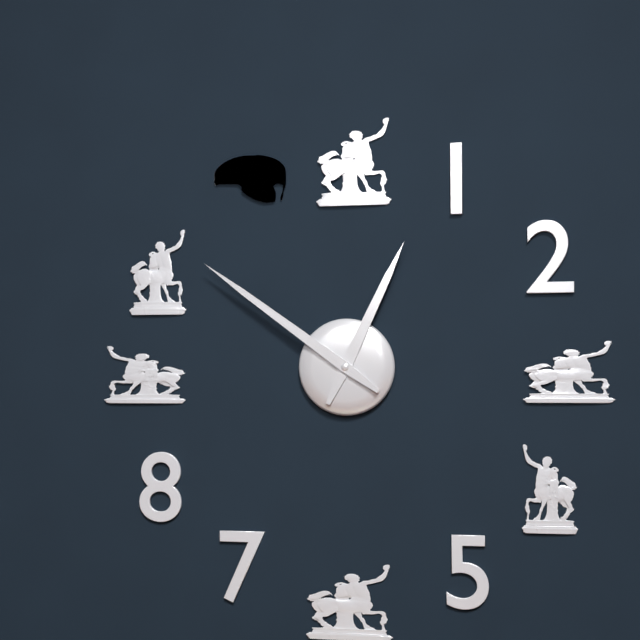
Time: **12:51**
